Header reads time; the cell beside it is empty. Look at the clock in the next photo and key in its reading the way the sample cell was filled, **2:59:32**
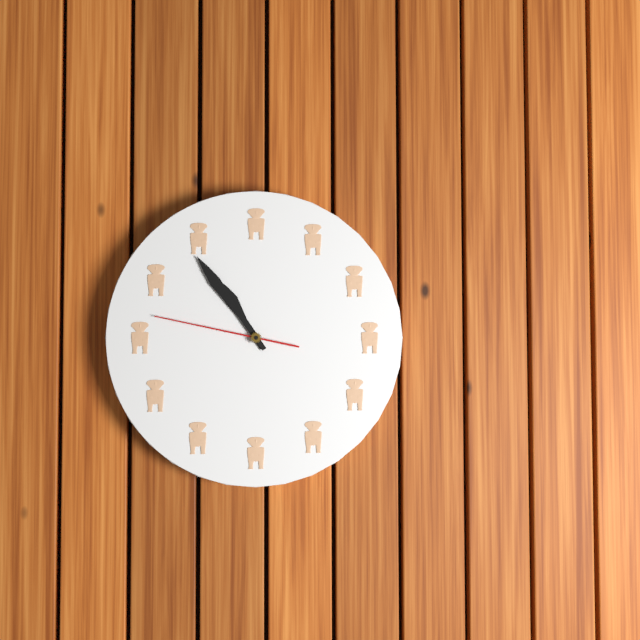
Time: **10:54:47**
